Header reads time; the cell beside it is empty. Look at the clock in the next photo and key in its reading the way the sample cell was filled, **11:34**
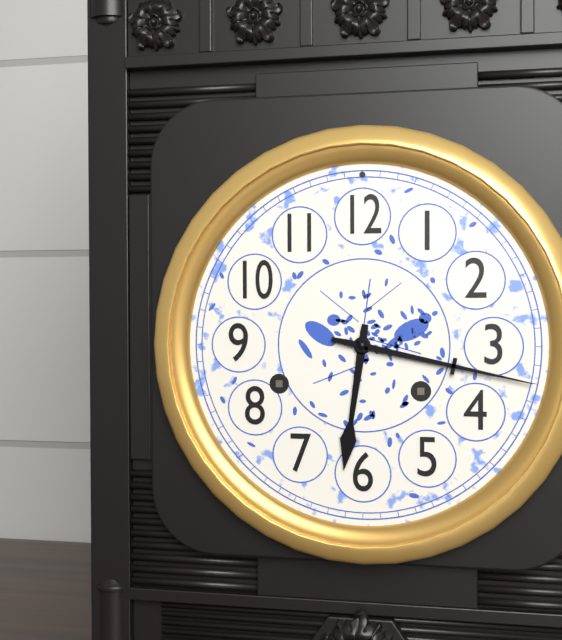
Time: **6:17**
